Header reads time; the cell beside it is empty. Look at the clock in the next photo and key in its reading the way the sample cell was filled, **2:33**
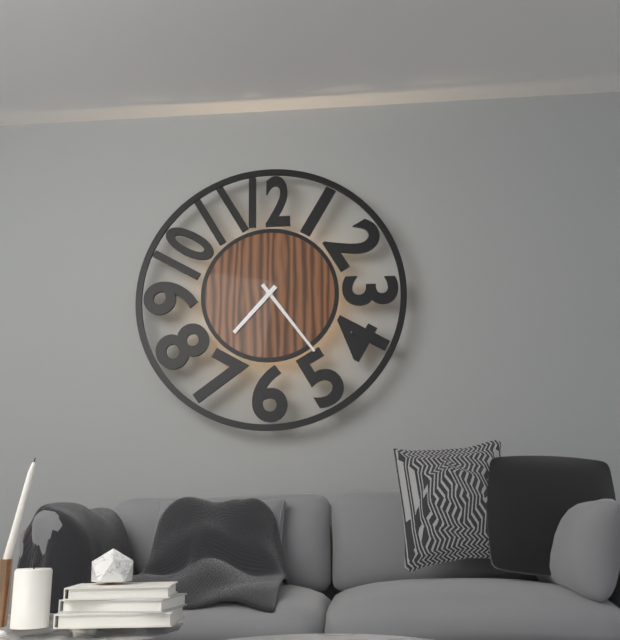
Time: **7:24**
